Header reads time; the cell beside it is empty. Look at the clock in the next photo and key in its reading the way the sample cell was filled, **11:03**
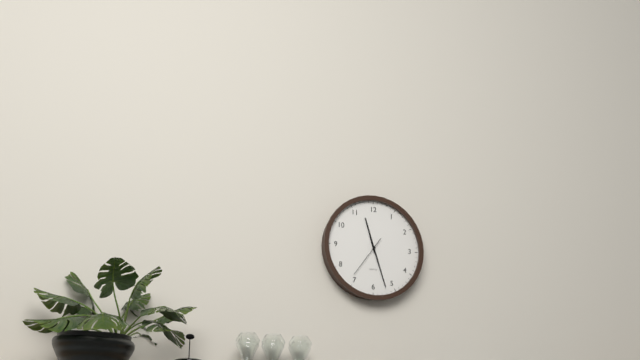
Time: **11:27**
